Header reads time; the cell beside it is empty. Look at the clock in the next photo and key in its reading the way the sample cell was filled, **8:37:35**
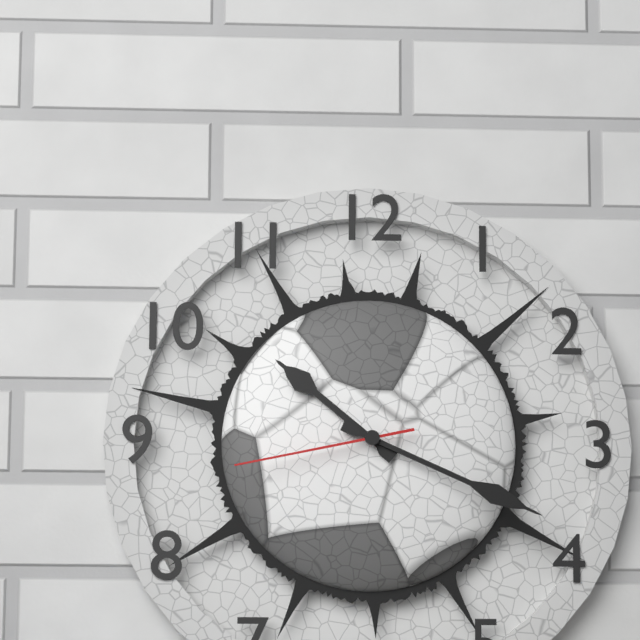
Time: **10:19:43**
